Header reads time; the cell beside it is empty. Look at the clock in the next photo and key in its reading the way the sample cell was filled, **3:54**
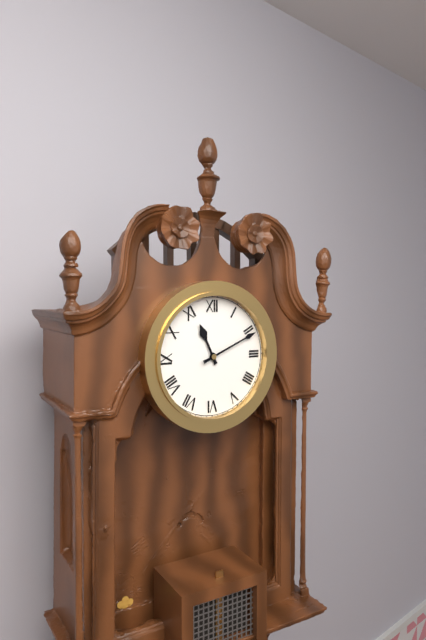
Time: **11:11**
